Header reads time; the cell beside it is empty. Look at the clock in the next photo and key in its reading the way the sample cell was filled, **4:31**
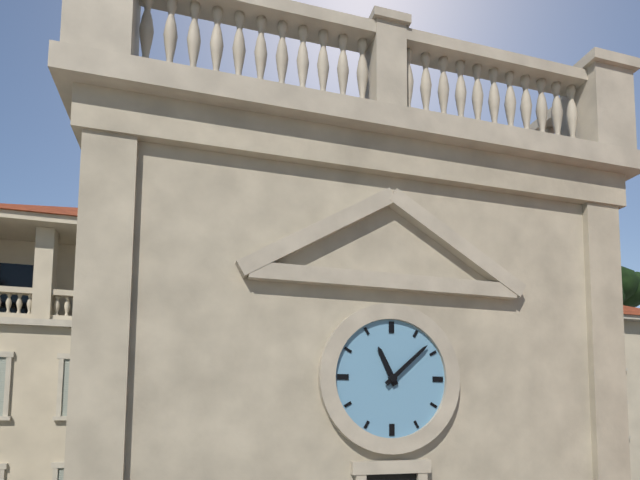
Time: **11:08**
